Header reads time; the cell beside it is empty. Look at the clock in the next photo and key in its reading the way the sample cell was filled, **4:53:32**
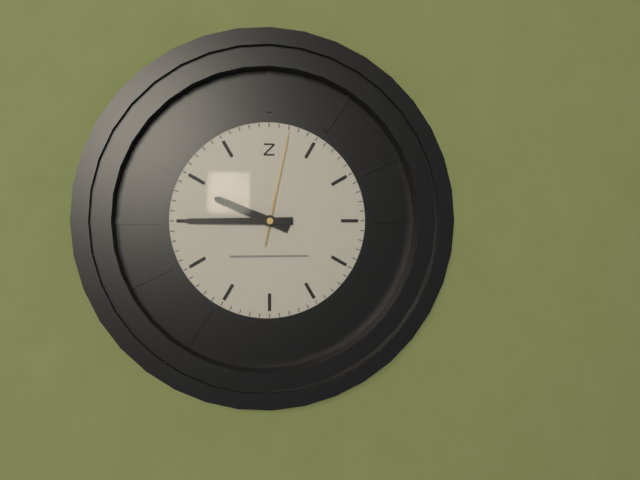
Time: **9:45:02**
